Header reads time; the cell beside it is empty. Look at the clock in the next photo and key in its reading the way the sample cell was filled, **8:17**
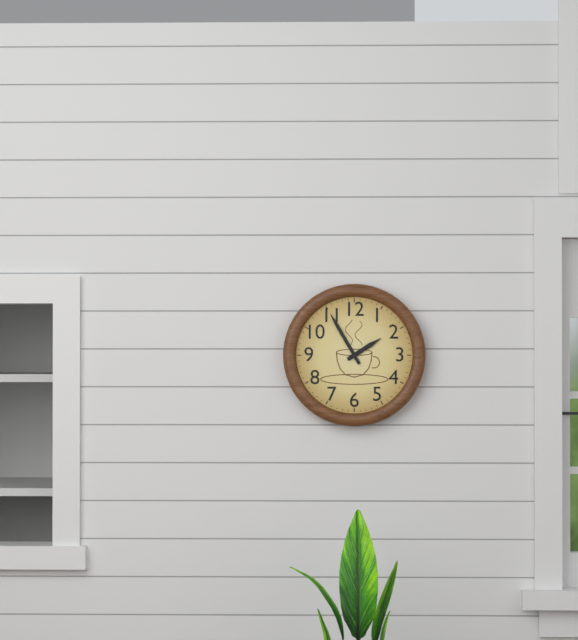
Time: **1:55**
